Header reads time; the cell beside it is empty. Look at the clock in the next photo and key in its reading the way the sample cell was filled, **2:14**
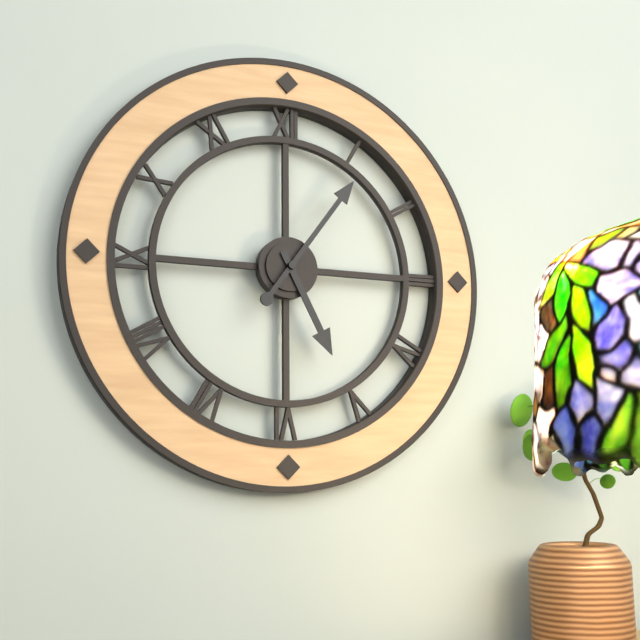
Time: **5:06**
